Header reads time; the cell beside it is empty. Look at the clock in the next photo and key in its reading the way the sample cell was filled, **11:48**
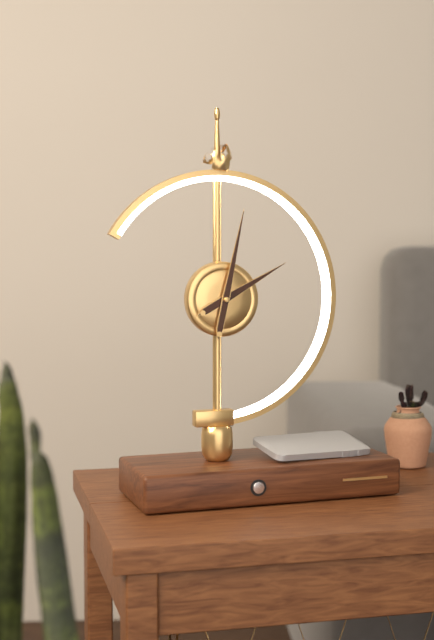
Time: **2:02**
